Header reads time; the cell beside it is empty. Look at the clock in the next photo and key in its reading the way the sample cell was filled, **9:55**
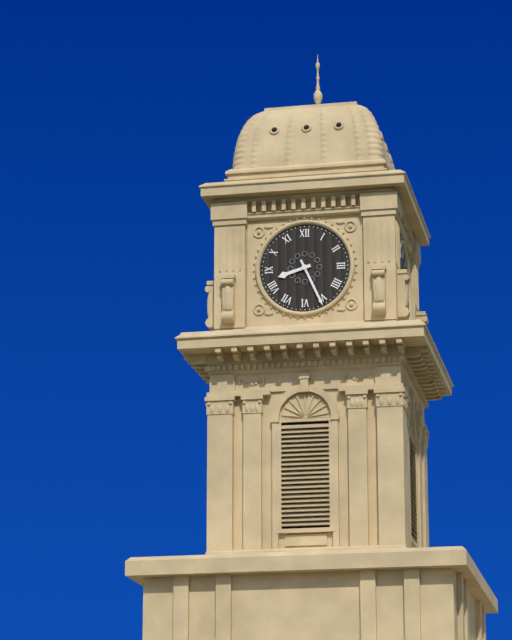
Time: **8:26**
